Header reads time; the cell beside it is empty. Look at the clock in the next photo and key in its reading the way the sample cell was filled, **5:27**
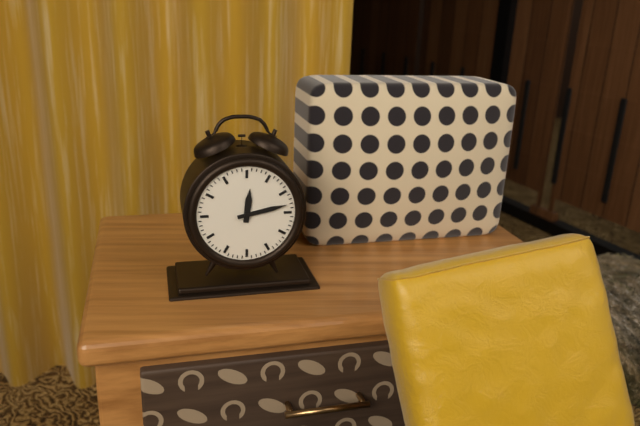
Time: **12:13**
